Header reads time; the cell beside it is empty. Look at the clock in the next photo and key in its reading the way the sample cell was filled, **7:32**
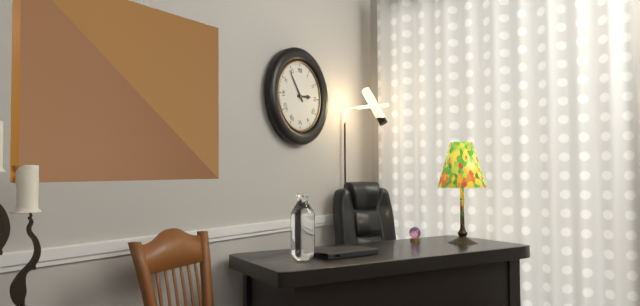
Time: **2:54**
